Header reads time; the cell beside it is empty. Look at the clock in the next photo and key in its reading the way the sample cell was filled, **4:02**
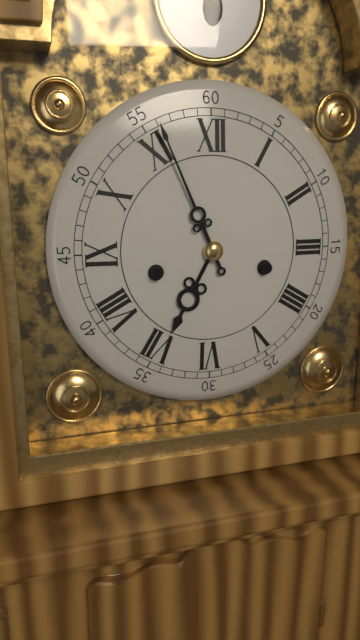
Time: **6:56**
